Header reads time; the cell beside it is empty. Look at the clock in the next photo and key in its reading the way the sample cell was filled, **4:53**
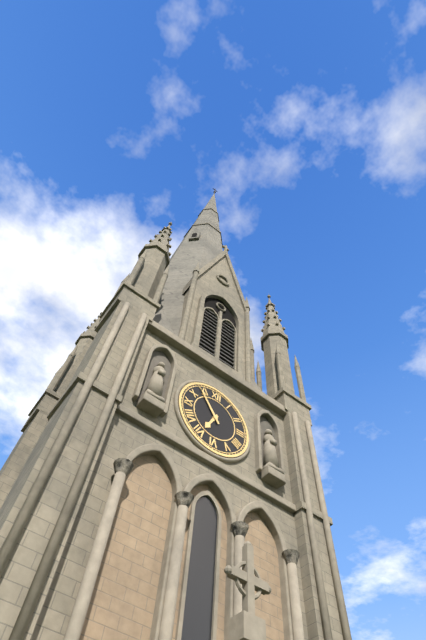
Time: **6:54**
